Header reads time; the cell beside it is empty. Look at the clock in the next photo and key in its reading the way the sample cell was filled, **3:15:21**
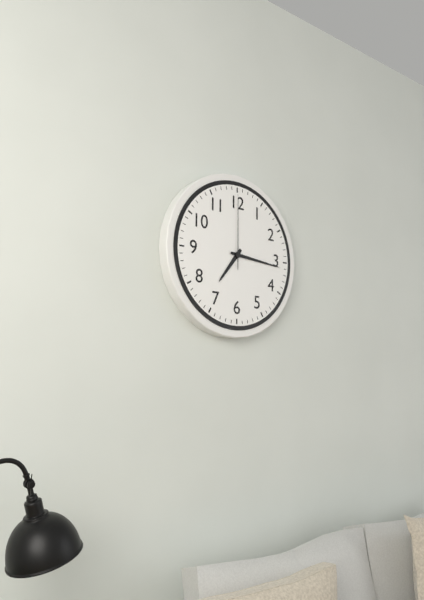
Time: **7:16:00**
